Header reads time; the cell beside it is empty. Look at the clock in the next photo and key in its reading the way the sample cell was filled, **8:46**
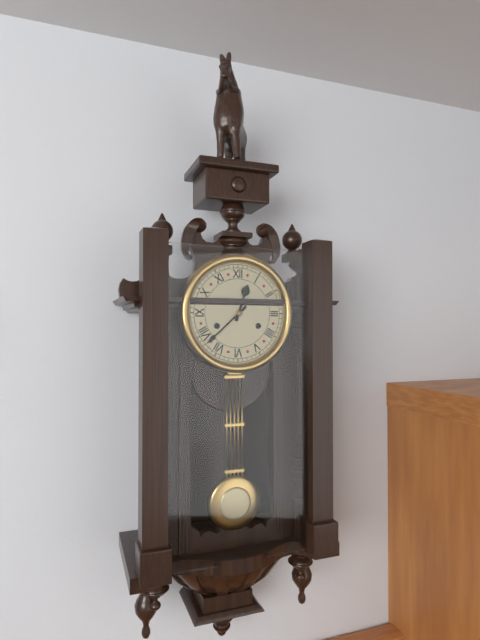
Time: **12:38**
